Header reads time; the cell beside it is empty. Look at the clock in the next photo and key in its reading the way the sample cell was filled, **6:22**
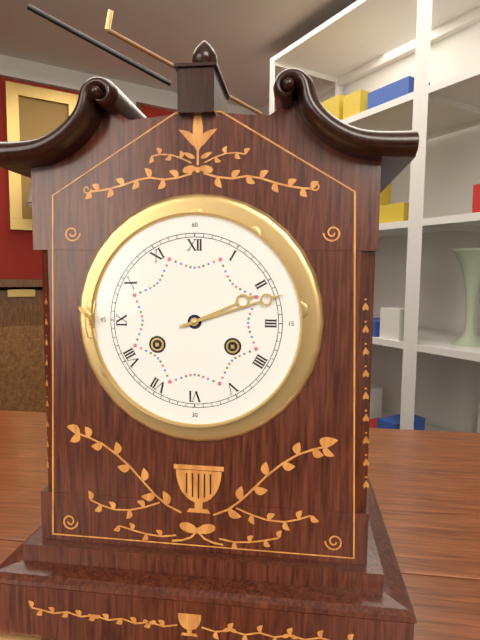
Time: **2:12**
